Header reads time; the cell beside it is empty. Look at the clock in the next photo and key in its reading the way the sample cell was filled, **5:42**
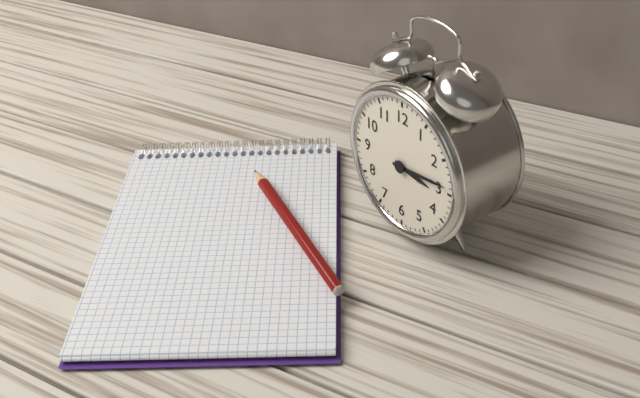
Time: **3:14**
